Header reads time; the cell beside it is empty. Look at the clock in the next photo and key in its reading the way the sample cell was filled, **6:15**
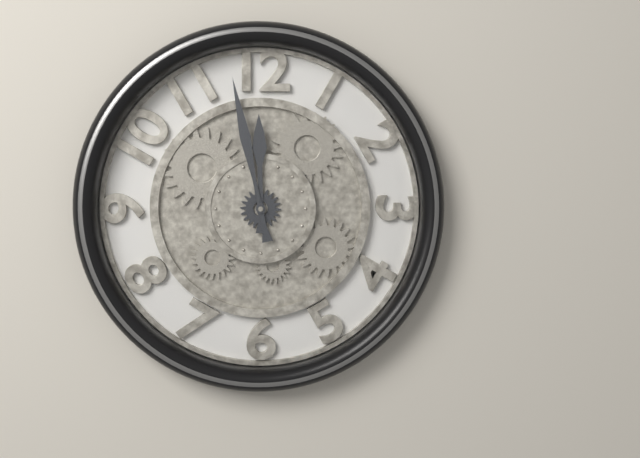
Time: **11:58**
